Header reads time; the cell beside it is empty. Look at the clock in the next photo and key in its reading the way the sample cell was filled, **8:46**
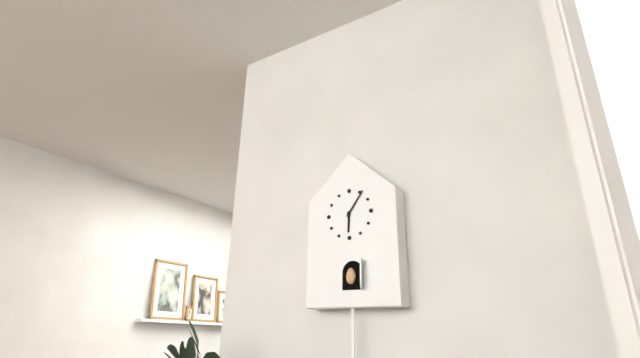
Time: **6:06**
